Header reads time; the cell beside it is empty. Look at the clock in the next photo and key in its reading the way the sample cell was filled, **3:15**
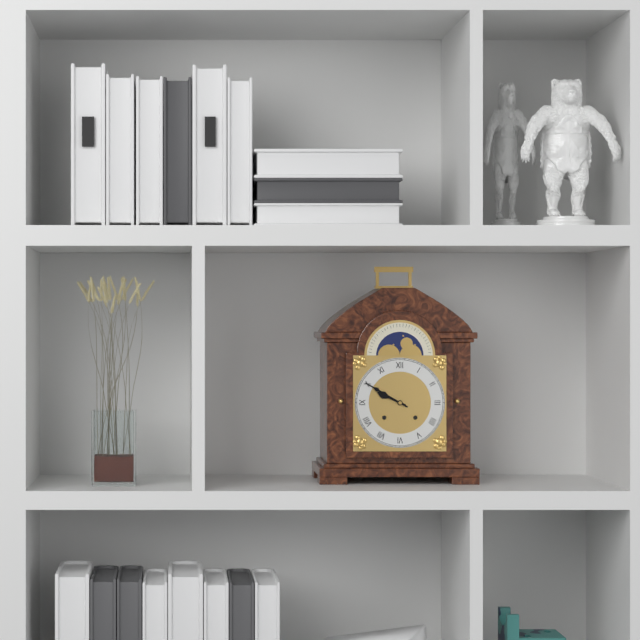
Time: **9:50**
